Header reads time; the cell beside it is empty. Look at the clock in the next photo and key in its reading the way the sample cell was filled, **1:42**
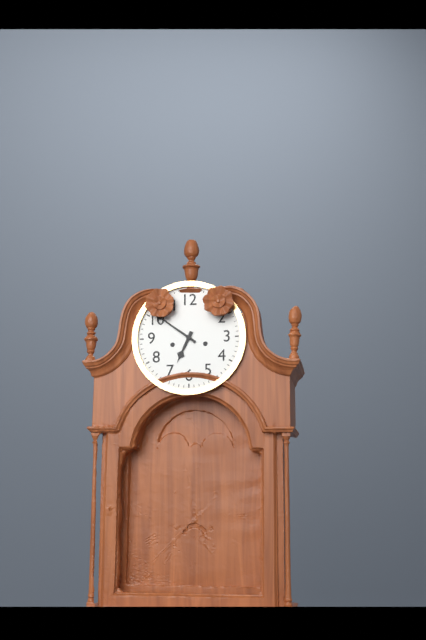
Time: **6:51**
